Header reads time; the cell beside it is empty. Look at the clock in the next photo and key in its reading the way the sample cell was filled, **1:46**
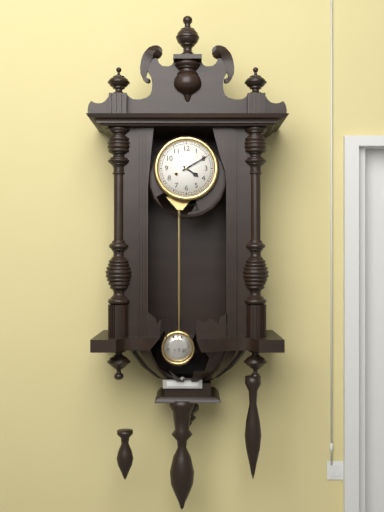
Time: **4:10**
